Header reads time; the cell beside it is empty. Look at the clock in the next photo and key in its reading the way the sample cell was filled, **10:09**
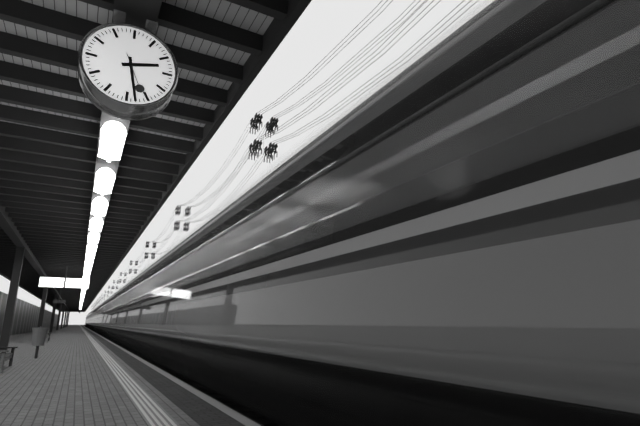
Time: **2:28**
